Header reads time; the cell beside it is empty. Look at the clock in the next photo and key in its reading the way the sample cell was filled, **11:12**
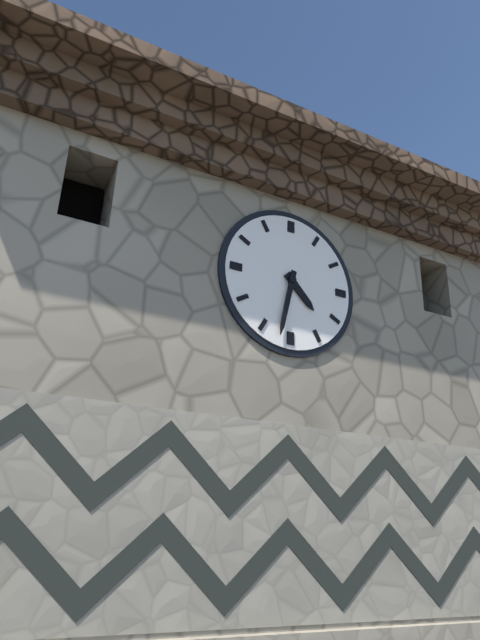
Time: **4:32**
